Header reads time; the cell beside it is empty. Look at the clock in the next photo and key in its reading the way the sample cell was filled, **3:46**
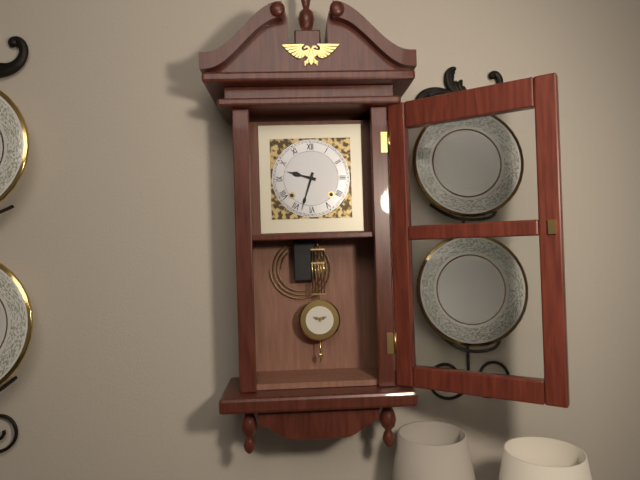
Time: **9:33**
